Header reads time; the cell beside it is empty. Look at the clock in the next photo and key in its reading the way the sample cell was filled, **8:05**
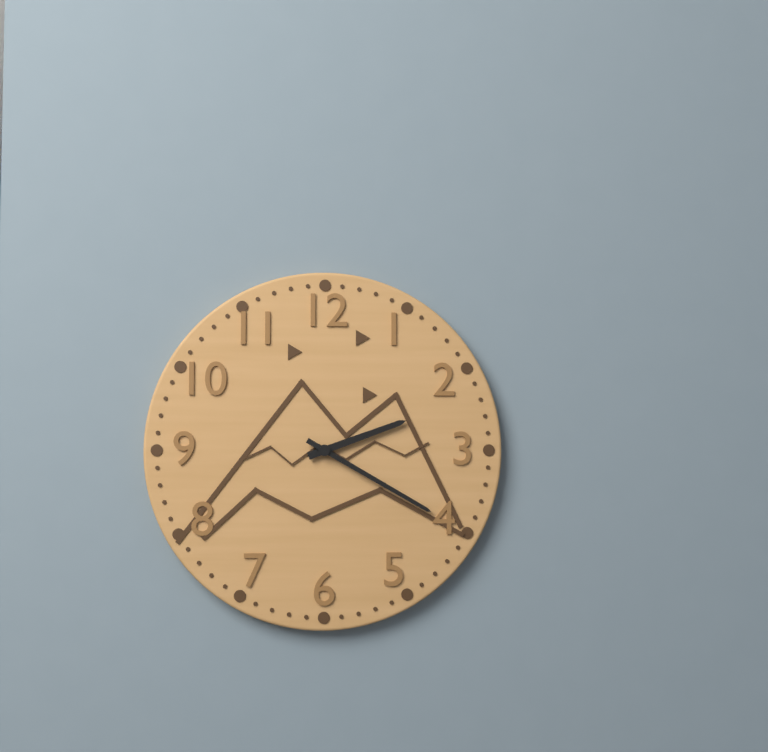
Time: **2:20**
